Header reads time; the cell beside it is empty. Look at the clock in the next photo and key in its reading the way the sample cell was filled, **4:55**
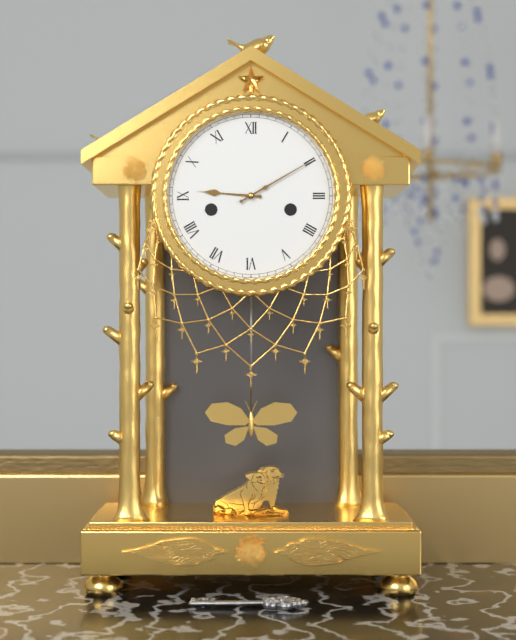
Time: **9:10**
